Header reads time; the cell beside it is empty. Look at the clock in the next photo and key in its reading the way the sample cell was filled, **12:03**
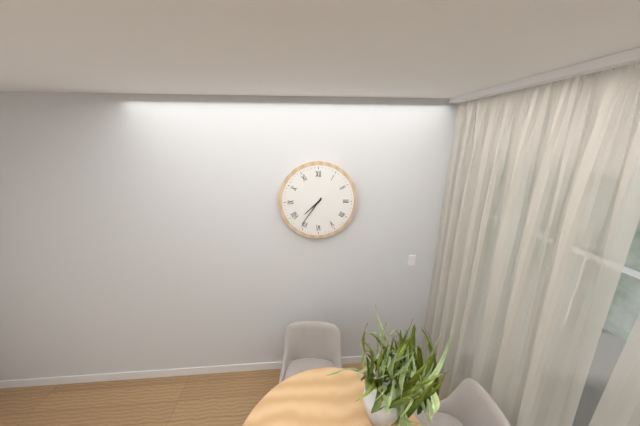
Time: **7:36**
